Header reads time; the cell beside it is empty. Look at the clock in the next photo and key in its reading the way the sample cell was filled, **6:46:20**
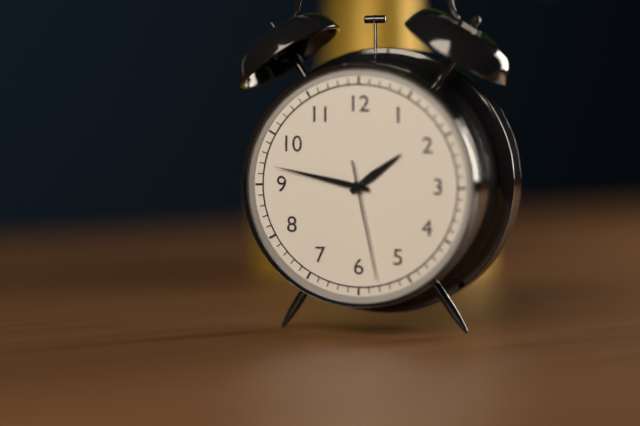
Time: **1:47:28**
